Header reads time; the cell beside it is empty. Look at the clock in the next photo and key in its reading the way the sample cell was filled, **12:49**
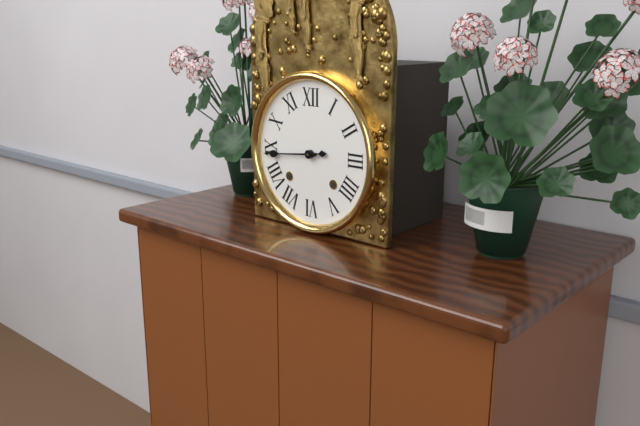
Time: **2:44**
